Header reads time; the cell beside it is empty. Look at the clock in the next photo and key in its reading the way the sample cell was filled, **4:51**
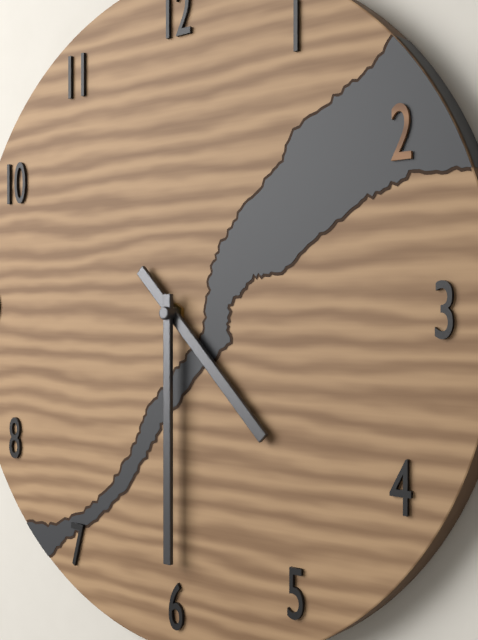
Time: **4:30**
